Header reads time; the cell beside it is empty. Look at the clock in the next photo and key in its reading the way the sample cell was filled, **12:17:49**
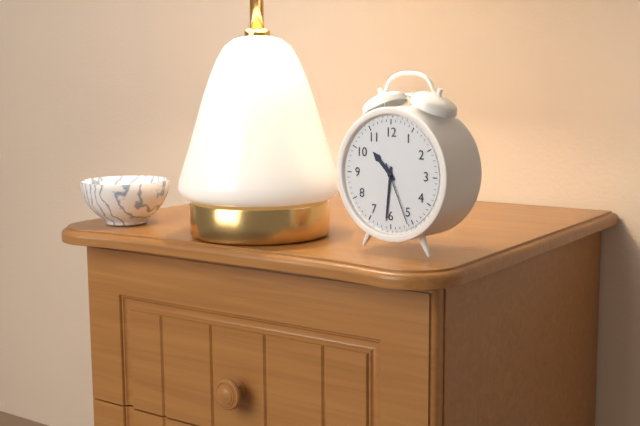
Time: **10:31:26**
